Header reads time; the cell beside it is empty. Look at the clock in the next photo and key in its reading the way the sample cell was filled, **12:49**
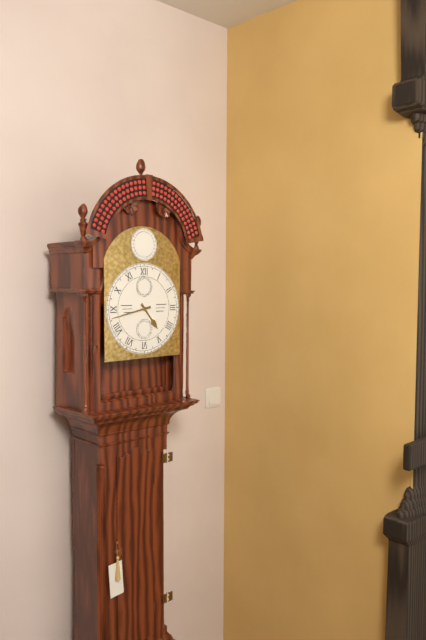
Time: **4:43**
